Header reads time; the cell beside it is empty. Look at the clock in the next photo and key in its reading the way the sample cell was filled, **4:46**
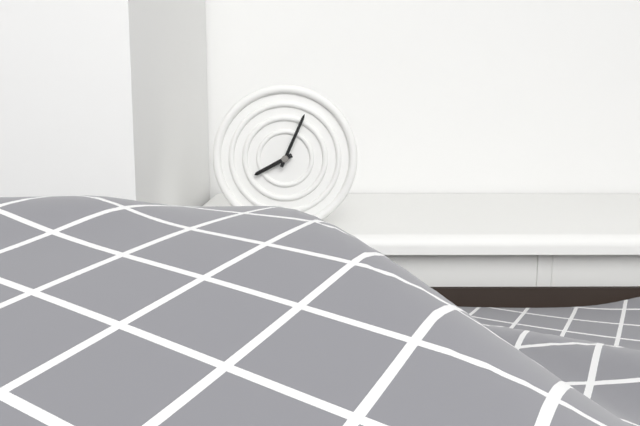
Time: **8:04**
